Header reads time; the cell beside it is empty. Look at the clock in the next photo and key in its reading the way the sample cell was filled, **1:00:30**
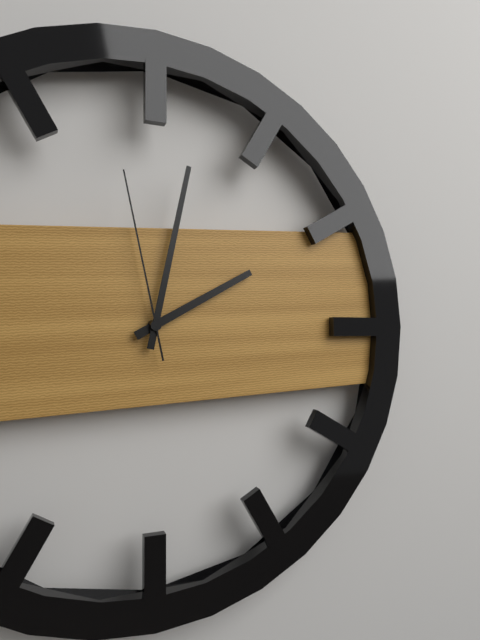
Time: **2:02:58**
